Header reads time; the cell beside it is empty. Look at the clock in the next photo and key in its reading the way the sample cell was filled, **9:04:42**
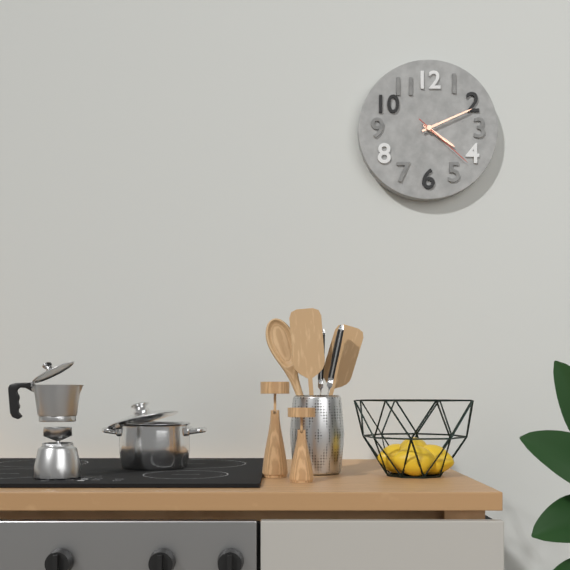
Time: **4:11:22**
